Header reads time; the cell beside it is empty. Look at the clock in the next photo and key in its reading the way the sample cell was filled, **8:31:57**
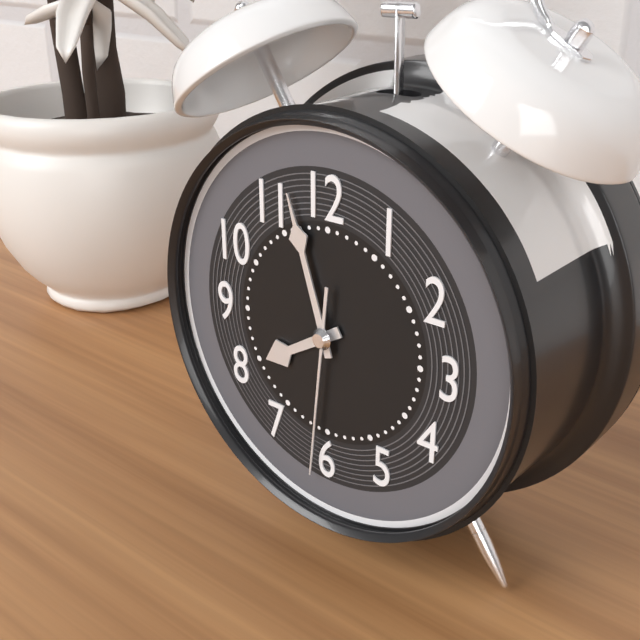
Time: **7:57:31**
